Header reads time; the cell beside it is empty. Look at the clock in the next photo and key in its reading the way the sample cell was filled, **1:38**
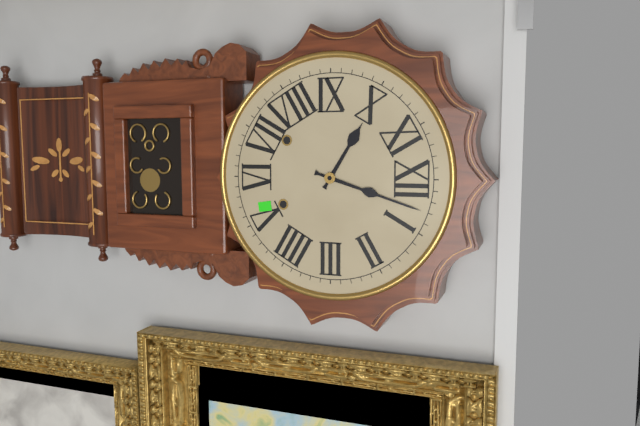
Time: **10:03**
